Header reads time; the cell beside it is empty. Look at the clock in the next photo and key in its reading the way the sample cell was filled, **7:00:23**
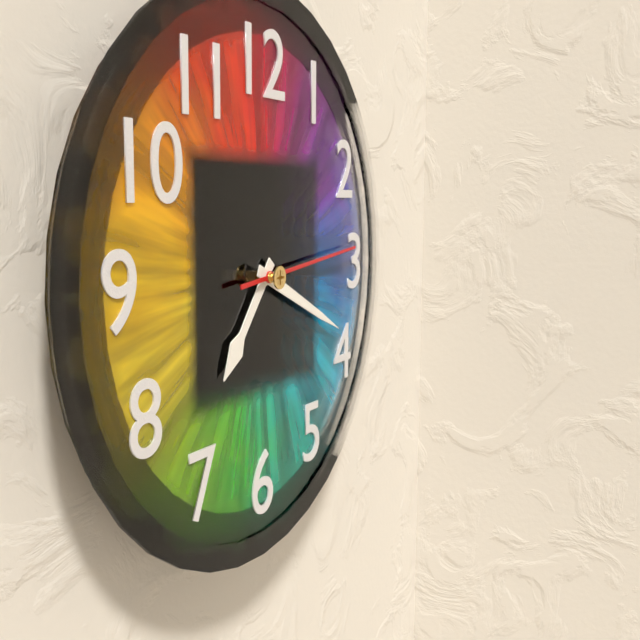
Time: **7:19:14**
